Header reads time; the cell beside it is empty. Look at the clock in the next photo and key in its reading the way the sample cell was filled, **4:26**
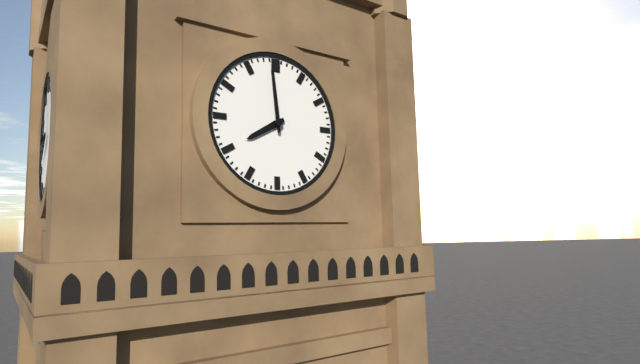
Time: **7:59**
